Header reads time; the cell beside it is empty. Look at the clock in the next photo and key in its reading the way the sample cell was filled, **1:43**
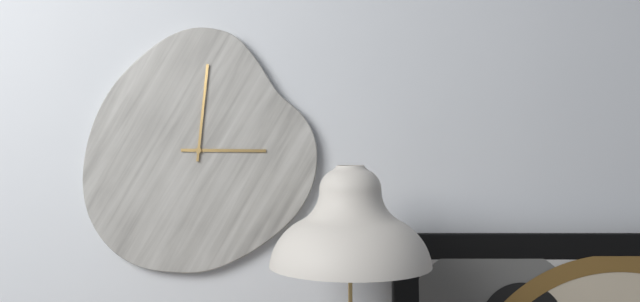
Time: **3:01**
